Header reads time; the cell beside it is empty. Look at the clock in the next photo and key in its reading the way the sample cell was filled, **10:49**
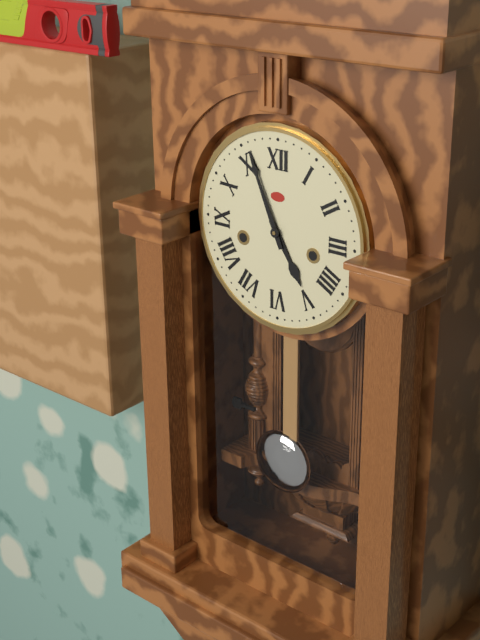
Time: **4:56**
